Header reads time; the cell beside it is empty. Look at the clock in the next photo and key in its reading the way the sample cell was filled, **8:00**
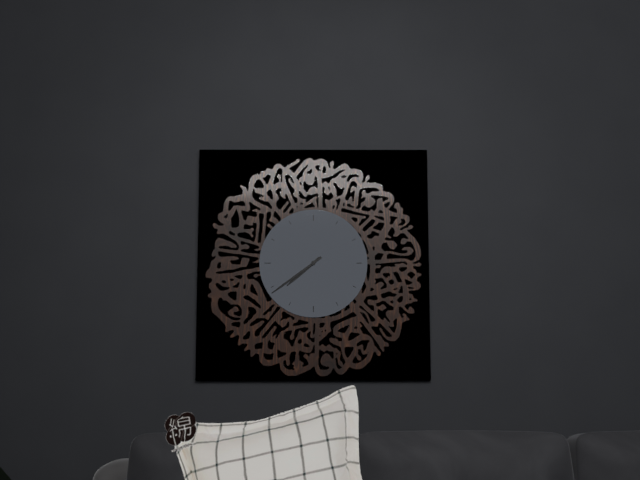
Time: **7:39**
